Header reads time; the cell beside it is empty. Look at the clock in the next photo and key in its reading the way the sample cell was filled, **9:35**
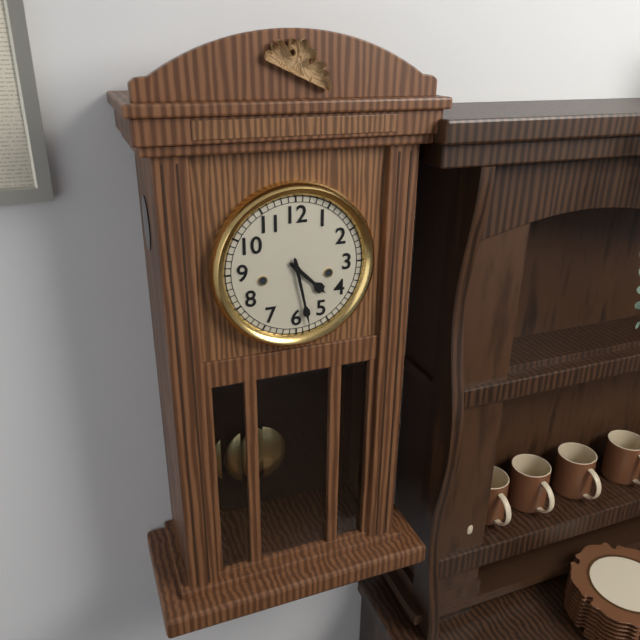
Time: **4:28**
